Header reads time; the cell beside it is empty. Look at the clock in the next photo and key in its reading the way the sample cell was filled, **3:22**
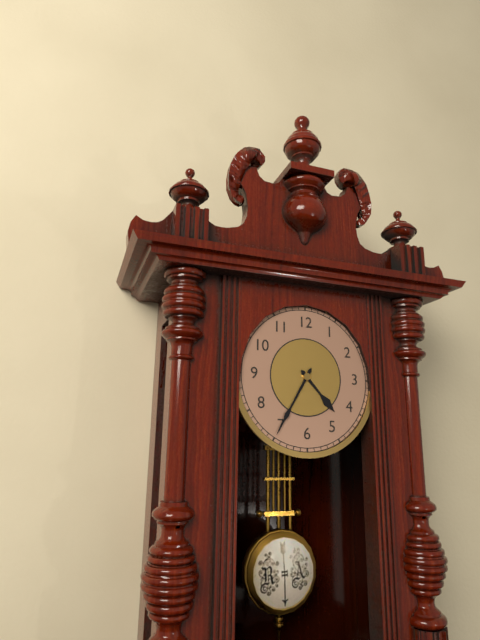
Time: **4:35**
